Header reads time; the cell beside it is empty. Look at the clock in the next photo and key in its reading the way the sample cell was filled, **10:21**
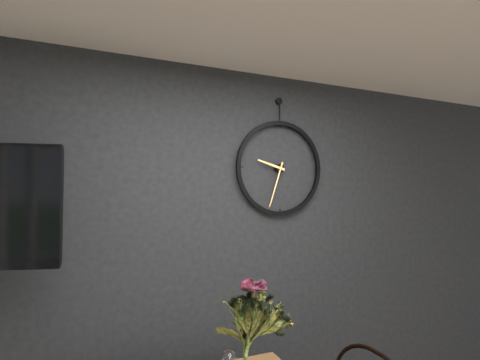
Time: **9:33**
